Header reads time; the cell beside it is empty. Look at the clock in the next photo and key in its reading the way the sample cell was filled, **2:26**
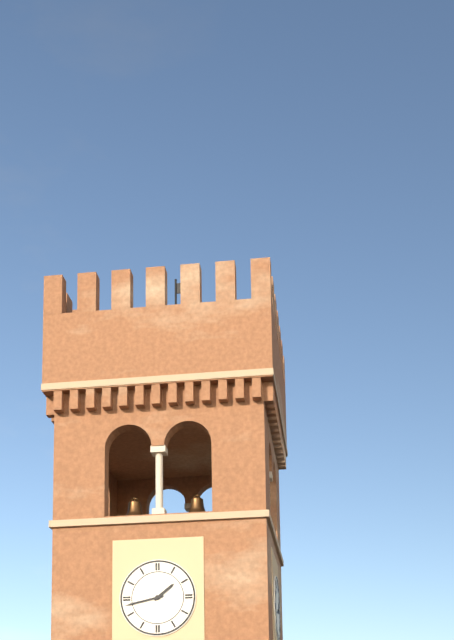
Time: **1:43**
